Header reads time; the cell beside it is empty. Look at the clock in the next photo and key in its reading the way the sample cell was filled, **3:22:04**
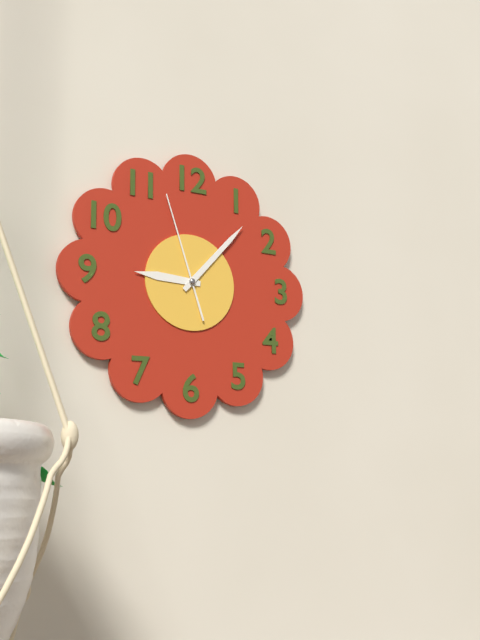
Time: **9:07:57**
